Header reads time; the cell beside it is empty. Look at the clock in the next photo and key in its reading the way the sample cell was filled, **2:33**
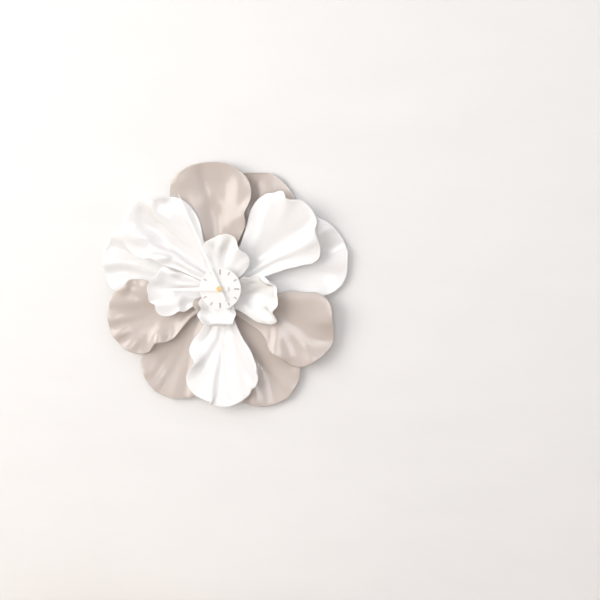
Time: **8:56**
